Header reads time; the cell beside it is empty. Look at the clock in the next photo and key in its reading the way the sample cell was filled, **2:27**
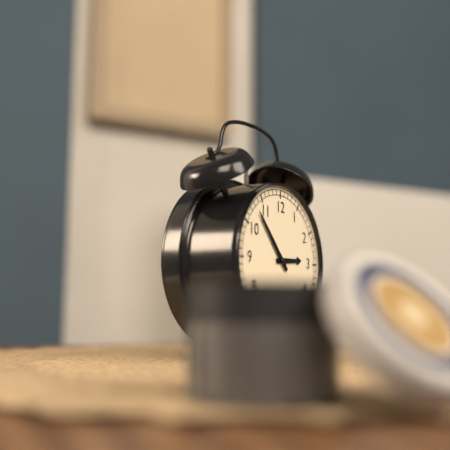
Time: **2:53**
